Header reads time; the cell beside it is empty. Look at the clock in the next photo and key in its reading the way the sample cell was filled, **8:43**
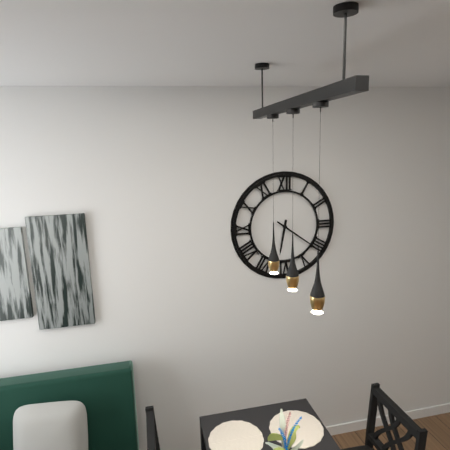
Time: **6:21**
